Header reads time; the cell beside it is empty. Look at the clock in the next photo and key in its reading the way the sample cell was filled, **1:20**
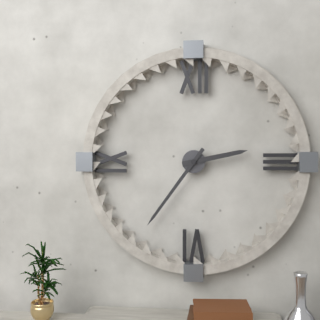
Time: **2:36**
